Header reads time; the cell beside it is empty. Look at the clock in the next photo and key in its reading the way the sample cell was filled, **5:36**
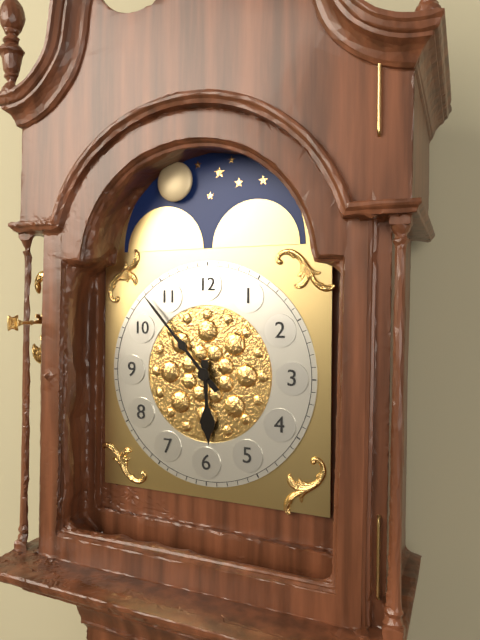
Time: **5:53**
